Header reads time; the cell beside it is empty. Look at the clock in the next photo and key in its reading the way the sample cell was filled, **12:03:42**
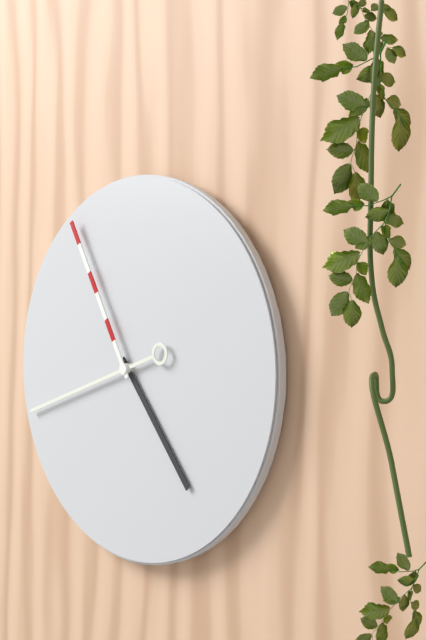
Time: **4:42:55**
